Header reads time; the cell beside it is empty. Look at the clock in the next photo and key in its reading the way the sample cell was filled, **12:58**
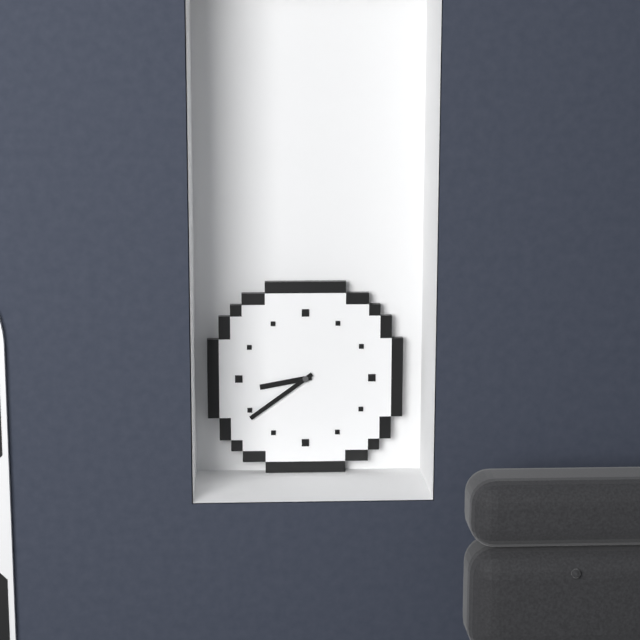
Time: **8:39**
